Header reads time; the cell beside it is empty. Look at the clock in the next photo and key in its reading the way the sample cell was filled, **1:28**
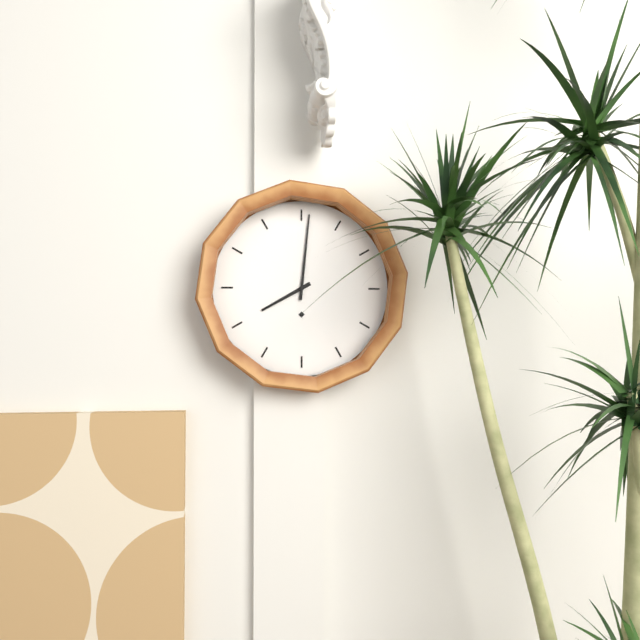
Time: **8:01**
